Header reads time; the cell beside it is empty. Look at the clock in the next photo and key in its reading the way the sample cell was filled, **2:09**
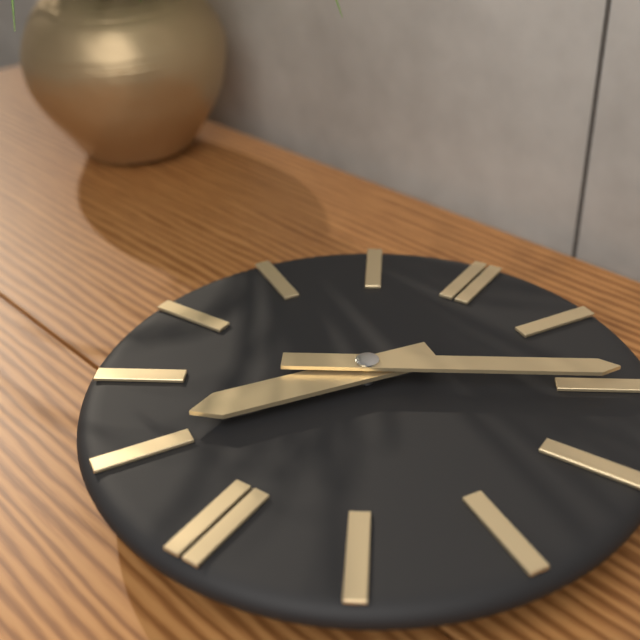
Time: **7:10**
